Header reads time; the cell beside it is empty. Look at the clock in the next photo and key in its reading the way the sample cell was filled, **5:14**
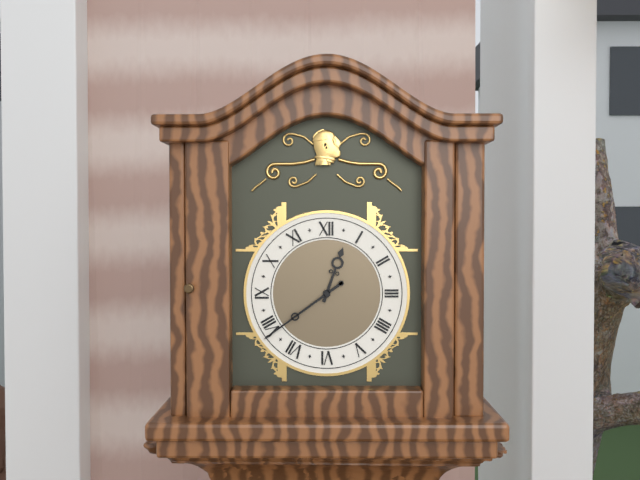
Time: **12:39**
